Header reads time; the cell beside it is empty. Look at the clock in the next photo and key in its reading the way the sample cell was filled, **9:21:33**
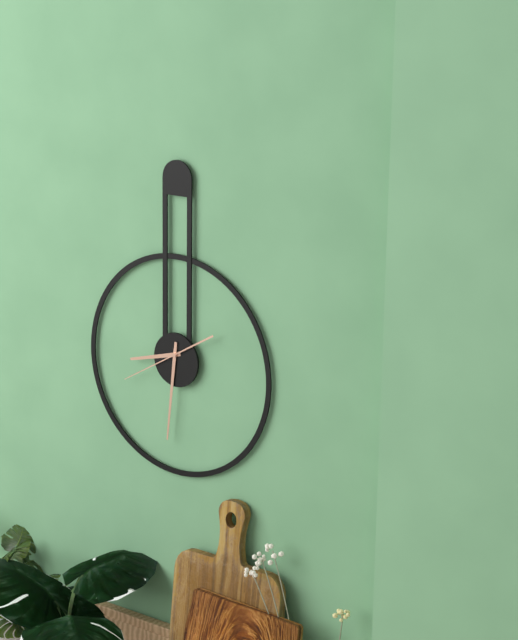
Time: **8:31:40**
